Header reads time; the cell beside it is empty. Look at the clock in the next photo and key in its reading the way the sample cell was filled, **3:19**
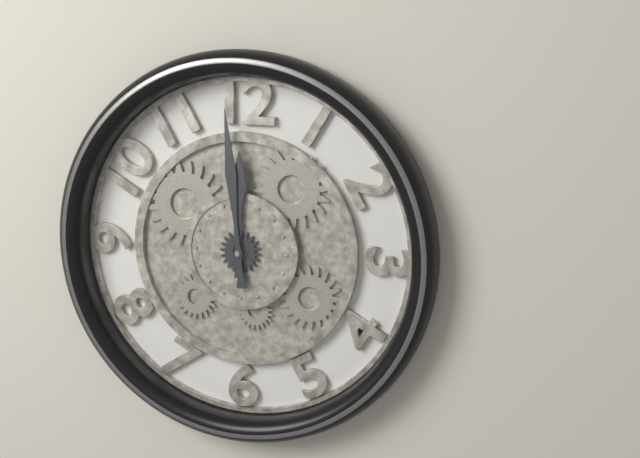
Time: **11:59**
